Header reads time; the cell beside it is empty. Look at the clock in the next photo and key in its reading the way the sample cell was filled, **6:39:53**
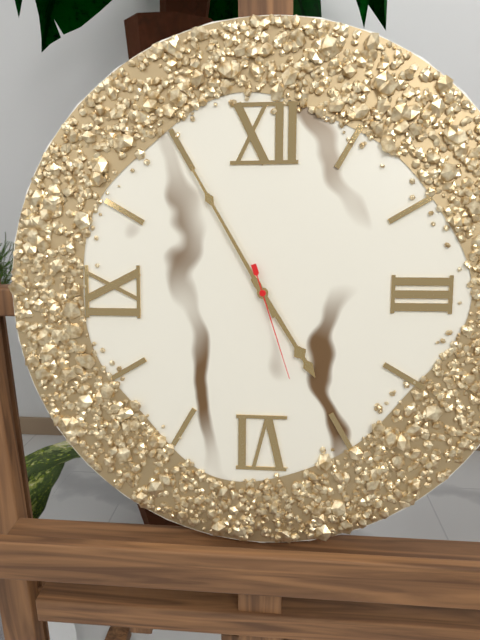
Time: **4:55:27**
